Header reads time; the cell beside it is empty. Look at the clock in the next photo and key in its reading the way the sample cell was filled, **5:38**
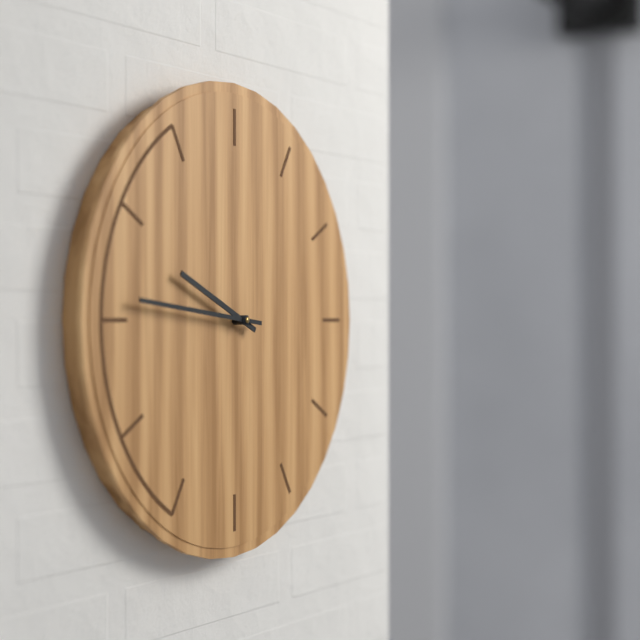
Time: **9:46**
